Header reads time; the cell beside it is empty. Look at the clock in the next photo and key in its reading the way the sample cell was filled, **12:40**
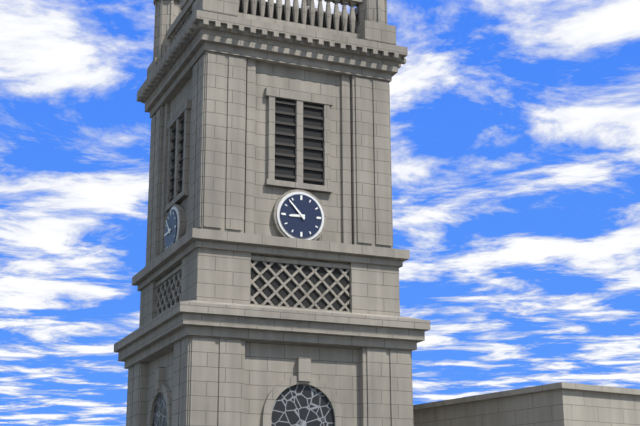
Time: **8:53**
